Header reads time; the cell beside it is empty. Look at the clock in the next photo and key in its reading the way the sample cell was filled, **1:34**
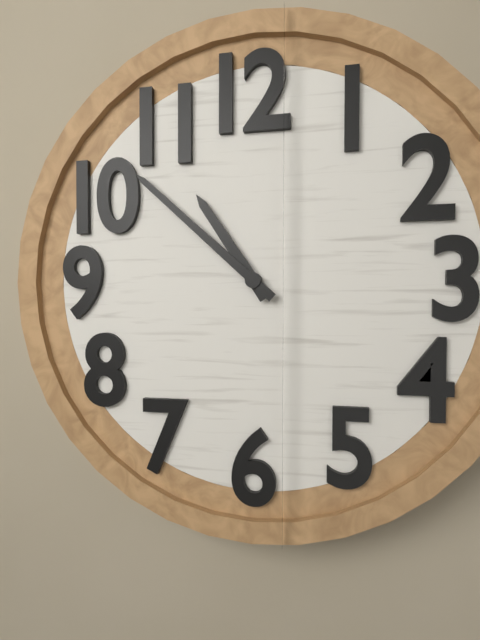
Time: **10:52**
